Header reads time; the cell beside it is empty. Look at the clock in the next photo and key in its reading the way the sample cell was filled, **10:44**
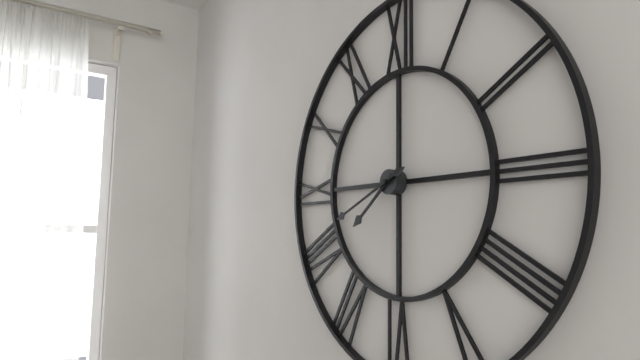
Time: **7:41**
